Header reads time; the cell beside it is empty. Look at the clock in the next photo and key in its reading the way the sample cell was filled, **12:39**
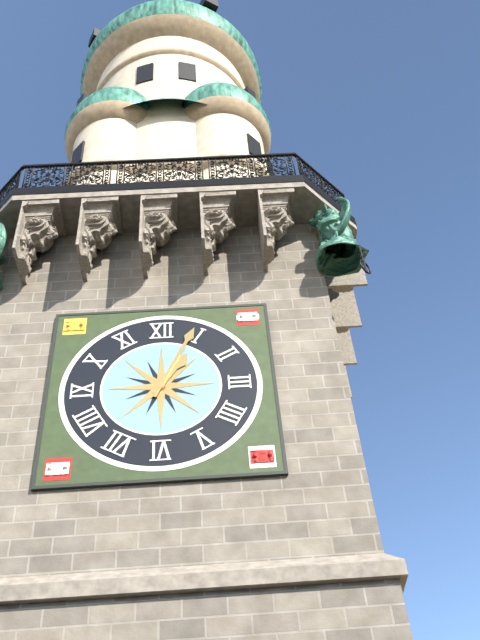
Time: **1:04**
